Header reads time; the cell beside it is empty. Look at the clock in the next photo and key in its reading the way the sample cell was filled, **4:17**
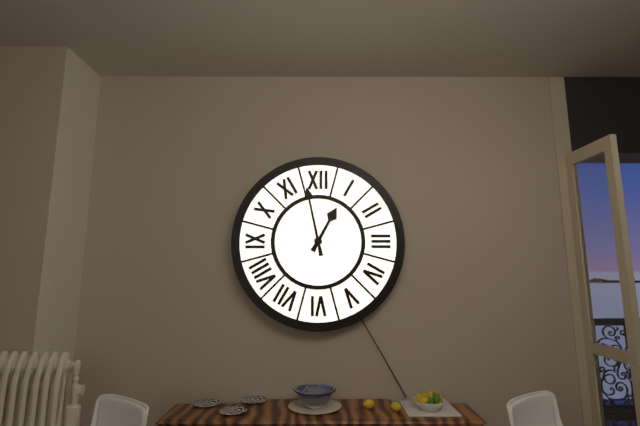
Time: **12:58**
